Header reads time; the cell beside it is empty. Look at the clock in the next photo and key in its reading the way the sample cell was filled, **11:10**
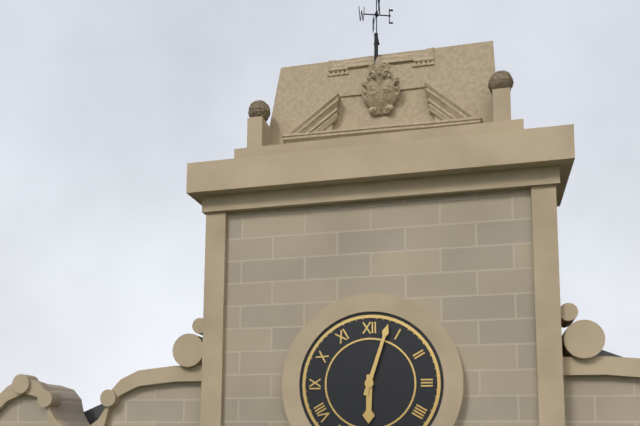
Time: **6:03**
